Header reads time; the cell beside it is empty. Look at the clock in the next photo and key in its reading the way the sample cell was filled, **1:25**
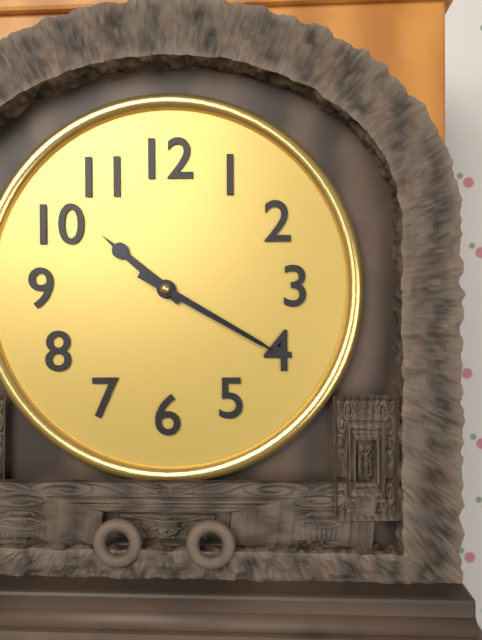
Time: **10:20**
